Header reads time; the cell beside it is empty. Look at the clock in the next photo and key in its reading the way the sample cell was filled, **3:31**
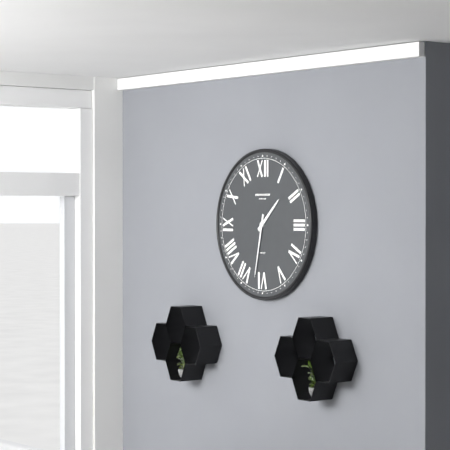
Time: **1:32**
